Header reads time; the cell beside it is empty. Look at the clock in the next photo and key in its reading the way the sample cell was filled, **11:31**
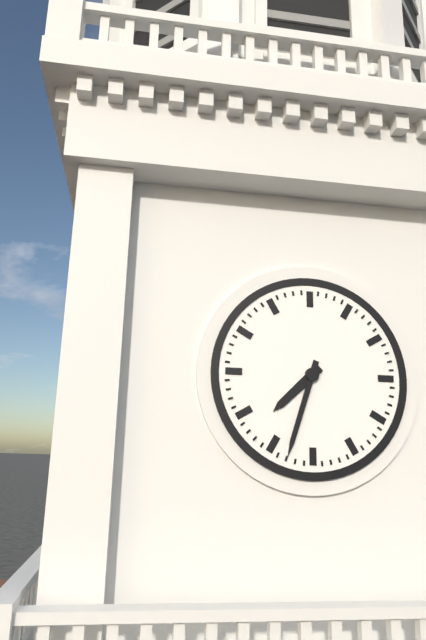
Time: **7:33**
